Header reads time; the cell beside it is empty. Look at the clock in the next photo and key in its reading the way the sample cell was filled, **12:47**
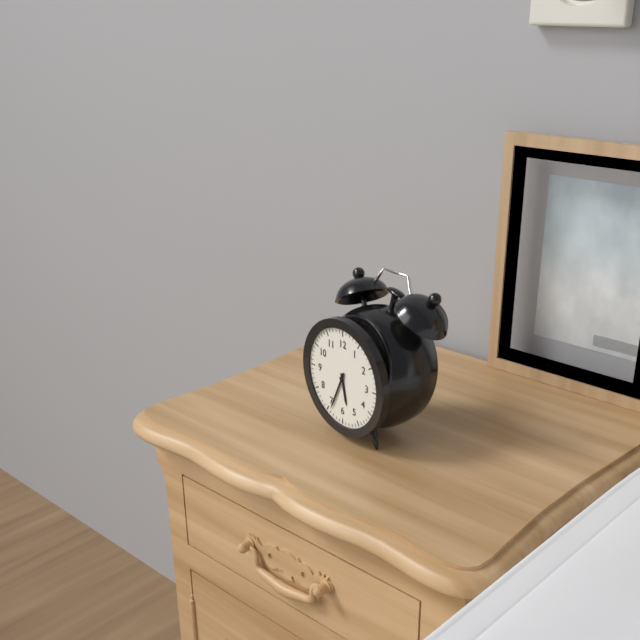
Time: **5:34**
